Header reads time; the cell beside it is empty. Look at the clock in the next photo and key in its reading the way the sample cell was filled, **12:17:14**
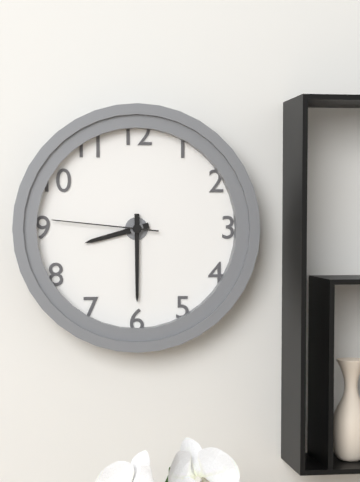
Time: **8:30:46**
